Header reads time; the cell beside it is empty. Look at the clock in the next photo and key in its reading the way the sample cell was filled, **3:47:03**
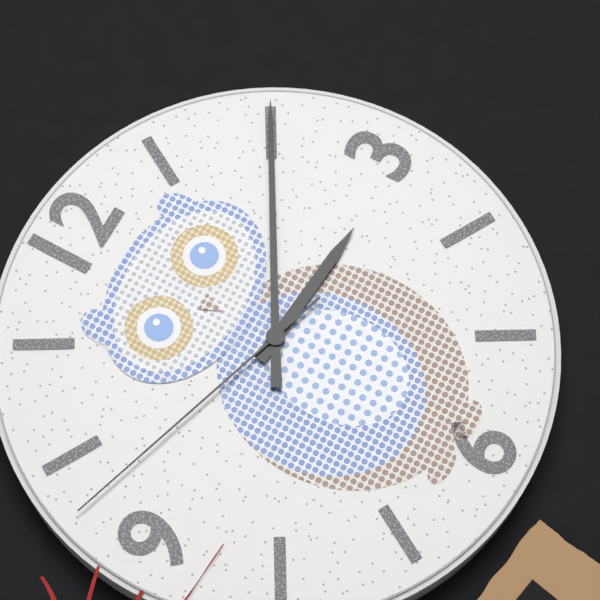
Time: **3:10:48**
